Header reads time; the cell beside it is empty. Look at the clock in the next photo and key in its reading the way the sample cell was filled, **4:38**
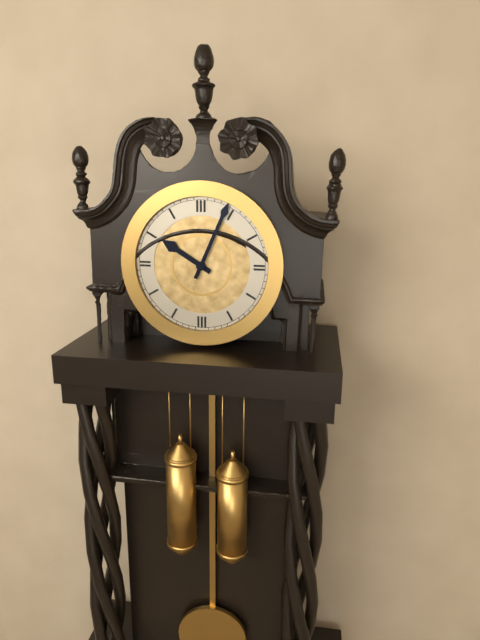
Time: **10:04**
